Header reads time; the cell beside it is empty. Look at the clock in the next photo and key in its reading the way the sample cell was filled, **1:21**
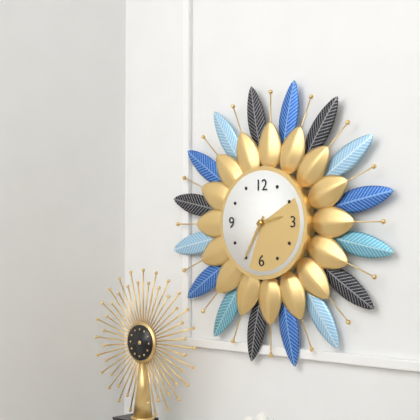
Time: **2:35**
